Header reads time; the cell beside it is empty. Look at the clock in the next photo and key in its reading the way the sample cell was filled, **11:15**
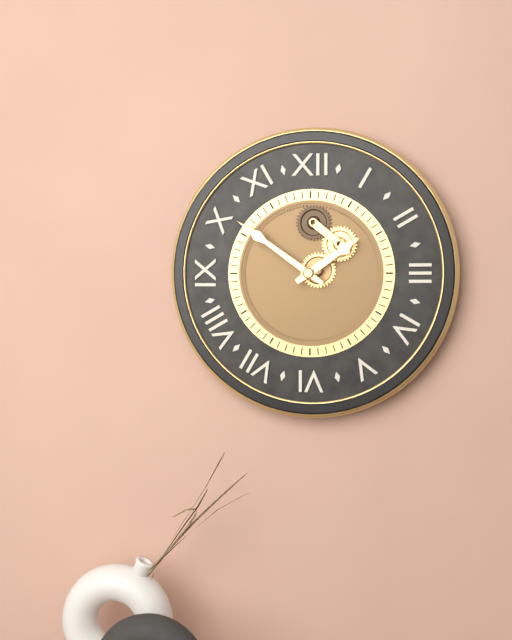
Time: **1:51**
